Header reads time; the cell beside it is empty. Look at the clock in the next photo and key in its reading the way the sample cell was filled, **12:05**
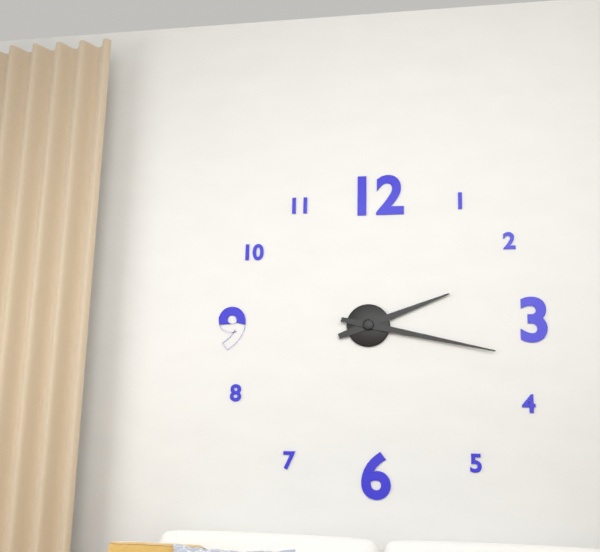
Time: **2:17**
